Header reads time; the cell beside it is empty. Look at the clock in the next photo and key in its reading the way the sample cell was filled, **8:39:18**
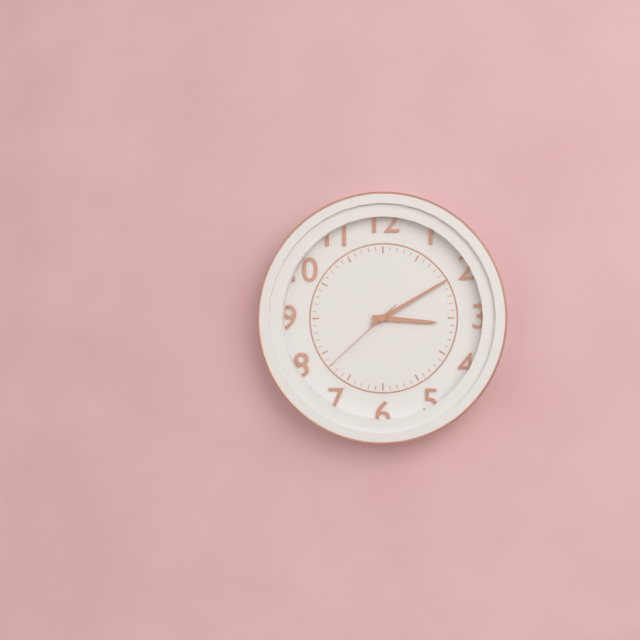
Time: **3:10:38**
